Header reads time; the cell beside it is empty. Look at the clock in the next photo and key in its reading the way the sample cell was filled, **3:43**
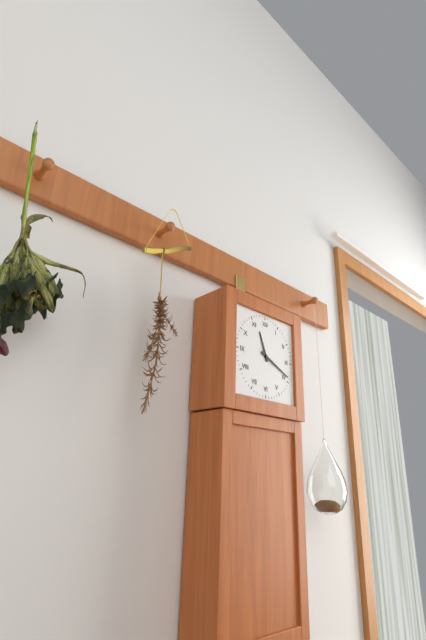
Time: **11:19**
